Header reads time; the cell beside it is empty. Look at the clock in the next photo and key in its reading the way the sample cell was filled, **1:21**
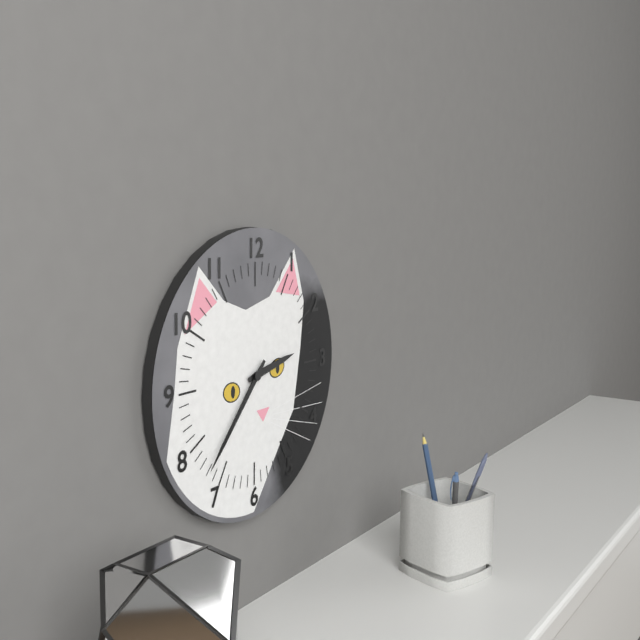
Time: **2:37**
